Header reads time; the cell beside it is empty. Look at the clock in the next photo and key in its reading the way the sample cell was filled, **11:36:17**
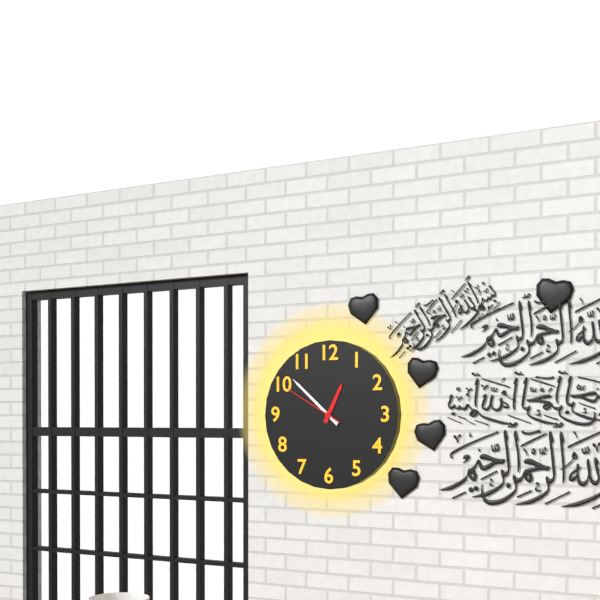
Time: **12:52:50**
